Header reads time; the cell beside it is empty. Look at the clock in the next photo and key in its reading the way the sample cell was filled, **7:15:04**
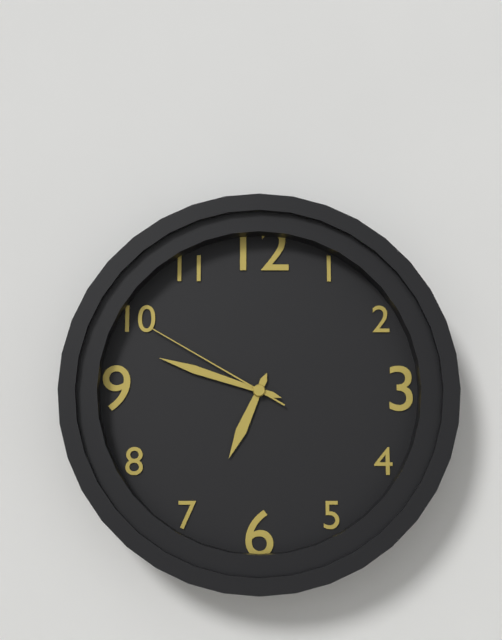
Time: **6:48:50**
